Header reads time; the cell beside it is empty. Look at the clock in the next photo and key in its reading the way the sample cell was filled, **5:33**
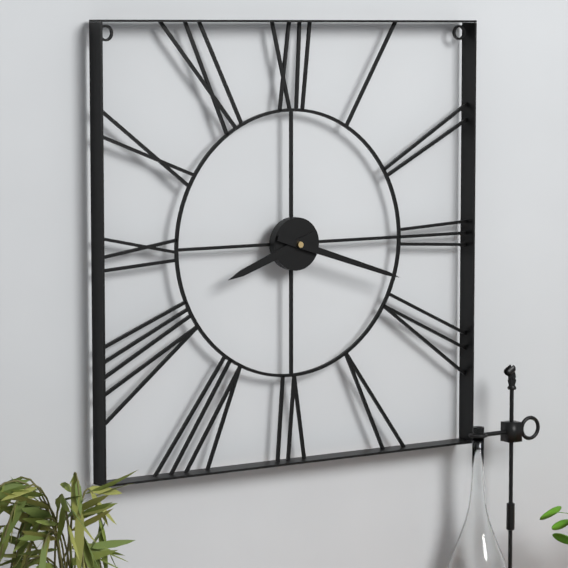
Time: **8:18**
